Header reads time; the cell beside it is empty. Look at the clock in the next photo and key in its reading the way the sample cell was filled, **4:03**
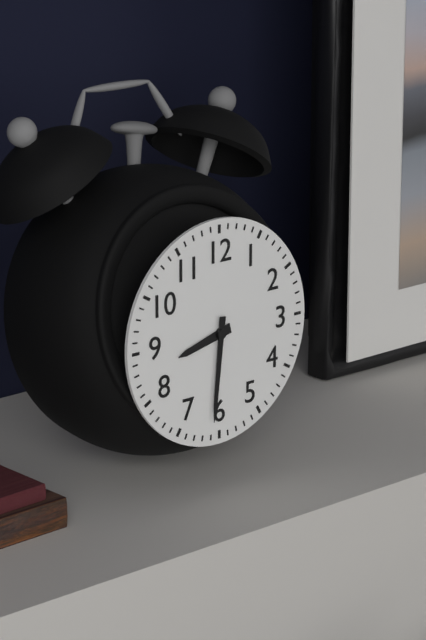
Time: **8:31**
